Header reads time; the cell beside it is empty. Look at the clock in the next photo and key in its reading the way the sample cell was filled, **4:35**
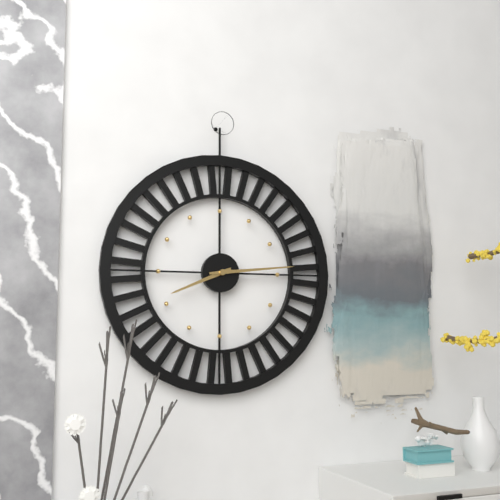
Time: **8:14**
